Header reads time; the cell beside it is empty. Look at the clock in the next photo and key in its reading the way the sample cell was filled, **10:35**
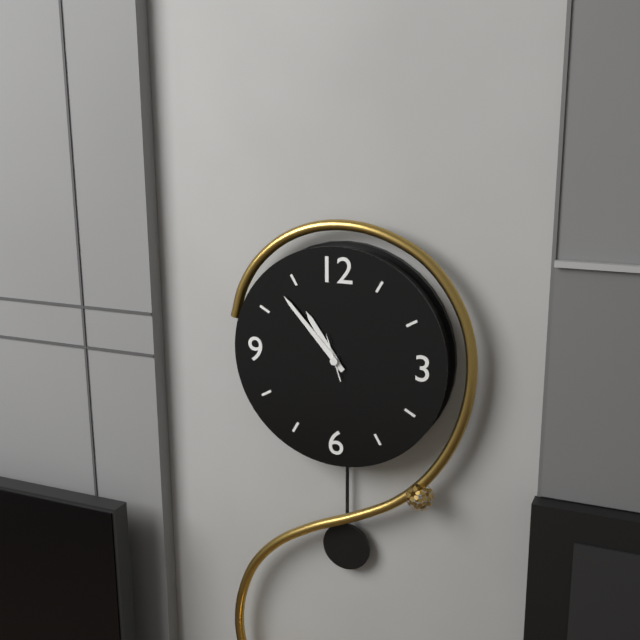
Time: **10:53**
